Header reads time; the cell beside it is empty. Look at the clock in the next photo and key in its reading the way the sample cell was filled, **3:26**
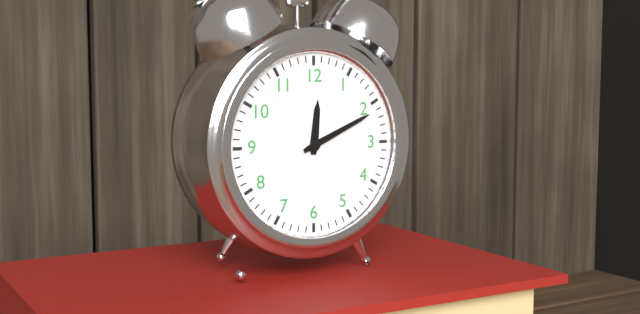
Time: **12:11**
